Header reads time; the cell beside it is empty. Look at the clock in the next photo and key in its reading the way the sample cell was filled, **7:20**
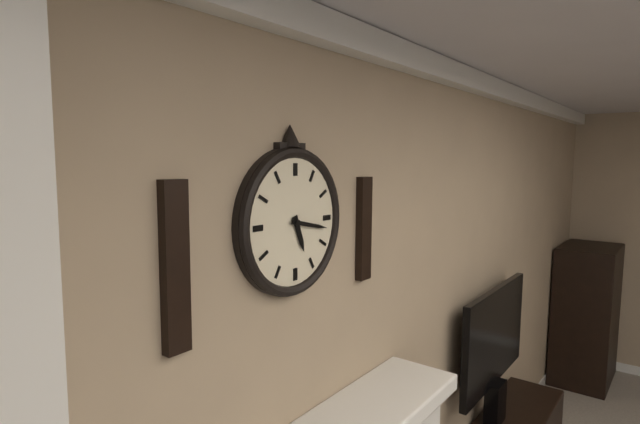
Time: **5:17**
